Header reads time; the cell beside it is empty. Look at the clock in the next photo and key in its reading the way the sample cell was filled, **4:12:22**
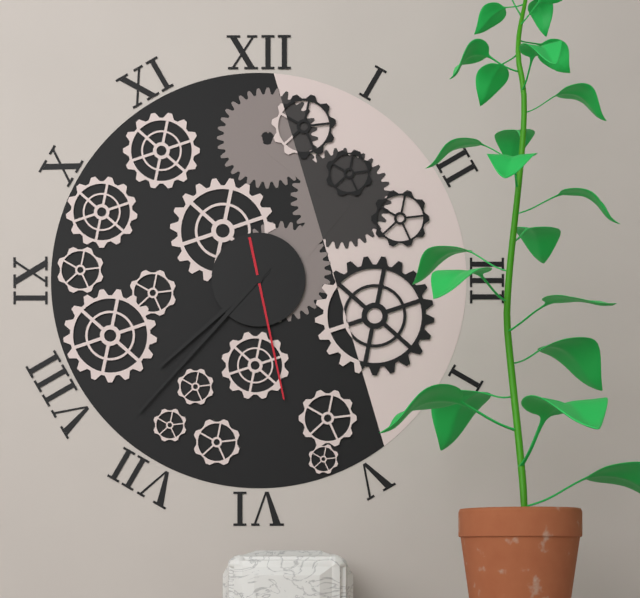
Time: **7:37:28**
